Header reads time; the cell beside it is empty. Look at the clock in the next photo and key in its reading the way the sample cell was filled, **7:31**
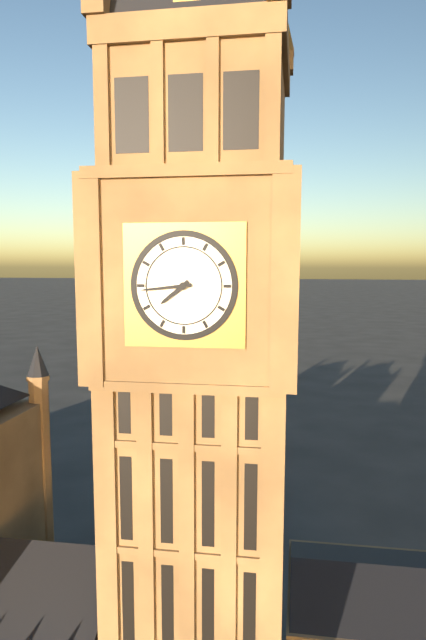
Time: **7:44**
